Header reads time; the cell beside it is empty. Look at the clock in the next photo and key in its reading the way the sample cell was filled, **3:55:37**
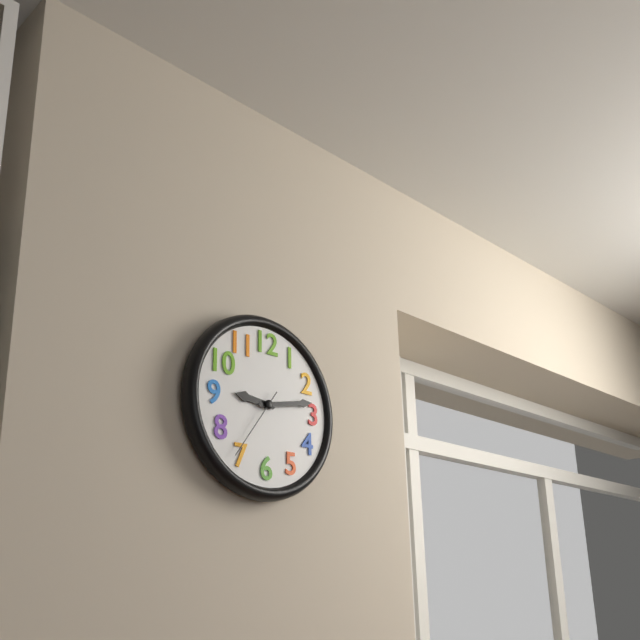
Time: **9:13:36**
